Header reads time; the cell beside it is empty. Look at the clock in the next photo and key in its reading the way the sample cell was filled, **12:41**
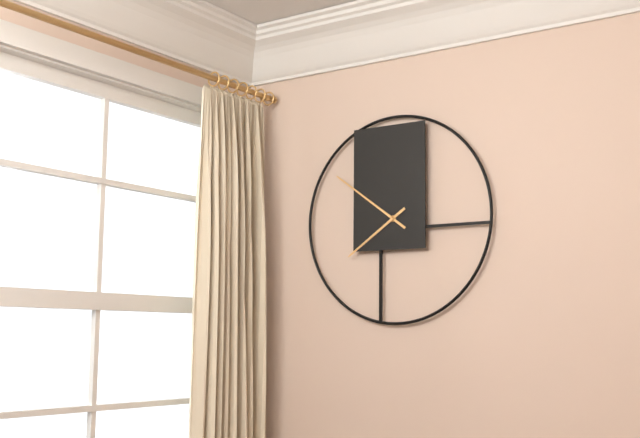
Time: **7:51**
